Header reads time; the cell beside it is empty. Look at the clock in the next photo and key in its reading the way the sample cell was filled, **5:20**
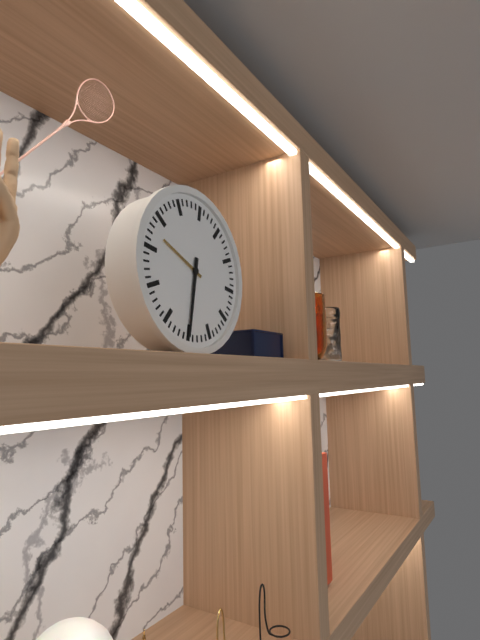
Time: **9:30**
